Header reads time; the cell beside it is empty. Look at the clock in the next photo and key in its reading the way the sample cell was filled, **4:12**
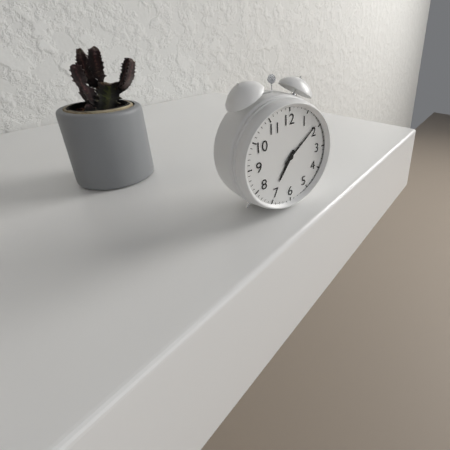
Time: **7:09**
